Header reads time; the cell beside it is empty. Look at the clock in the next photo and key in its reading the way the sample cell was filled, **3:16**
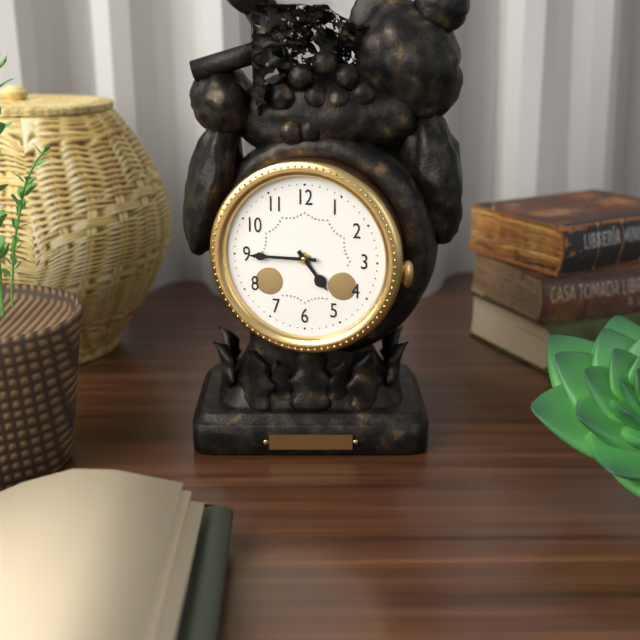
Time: **4:45**
